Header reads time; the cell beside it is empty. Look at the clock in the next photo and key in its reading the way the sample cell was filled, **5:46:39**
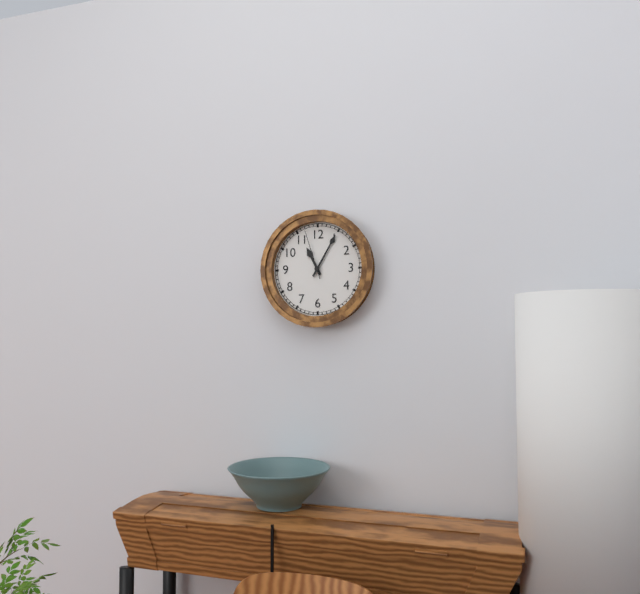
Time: **11:05:57**
